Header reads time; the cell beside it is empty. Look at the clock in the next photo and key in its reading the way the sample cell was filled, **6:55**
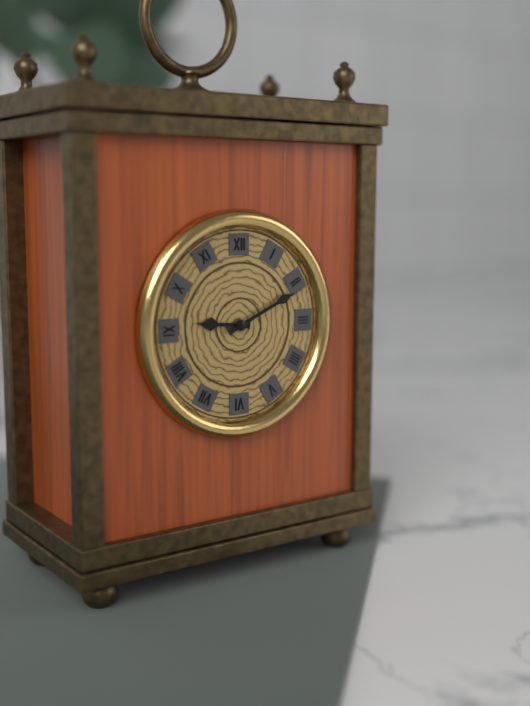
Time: **9:11**
